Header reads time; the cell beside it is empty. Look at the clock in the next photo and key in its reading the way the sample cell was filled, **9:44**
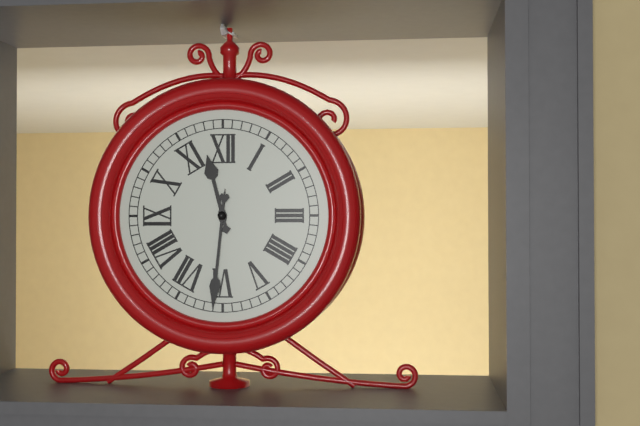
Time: **11:31**
